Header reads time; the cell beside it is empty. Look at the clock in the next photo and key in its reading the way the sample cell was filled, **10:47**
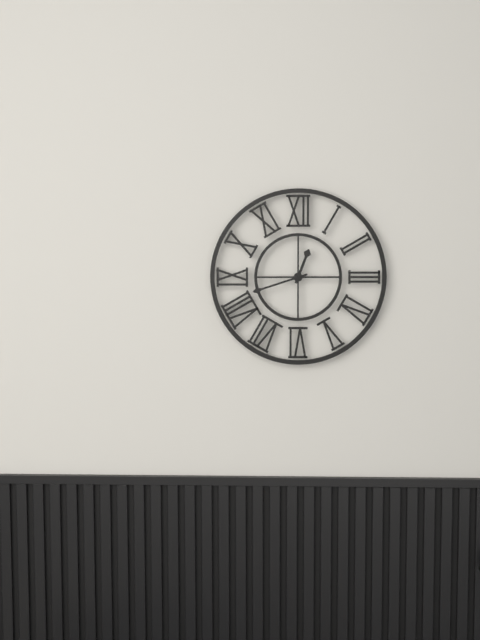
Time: **12:42**
